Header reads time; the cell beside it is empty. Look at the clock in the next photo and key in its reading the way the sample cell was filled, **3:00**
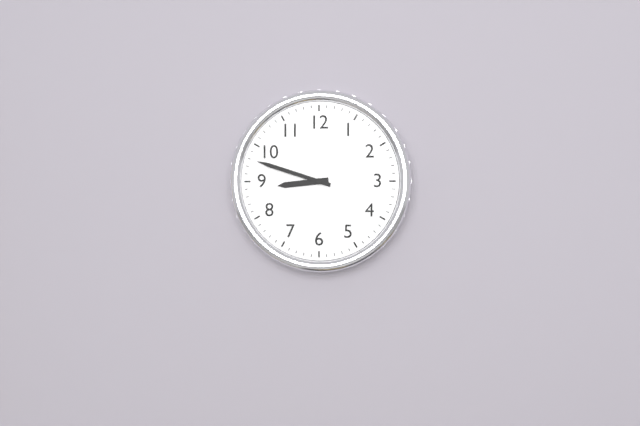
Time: **8:48**
